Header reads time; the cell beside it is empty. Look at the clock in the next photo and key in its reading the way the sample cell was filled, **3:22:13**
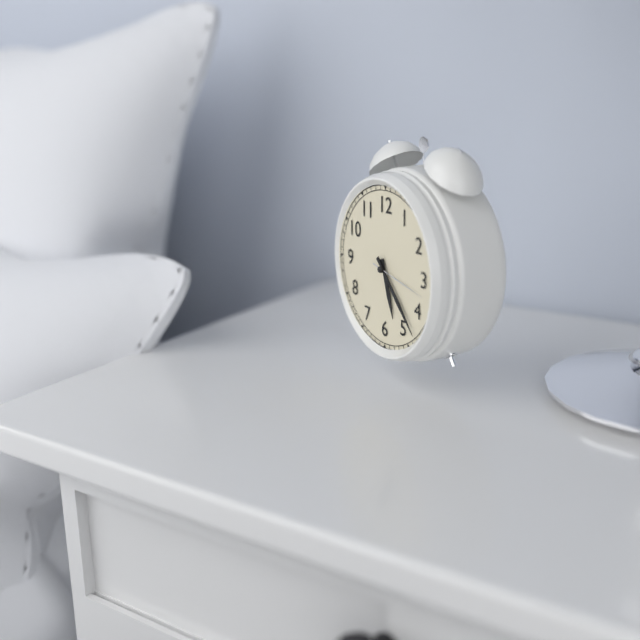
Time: **5:23:17**
